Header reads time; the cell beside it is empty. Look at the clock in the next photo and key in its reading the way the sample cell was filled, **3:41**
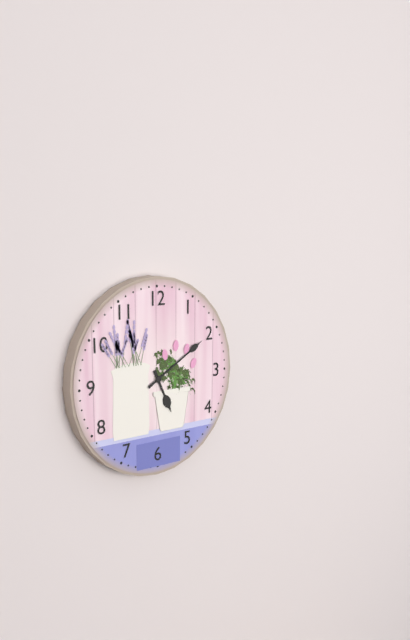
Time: **5:10**
